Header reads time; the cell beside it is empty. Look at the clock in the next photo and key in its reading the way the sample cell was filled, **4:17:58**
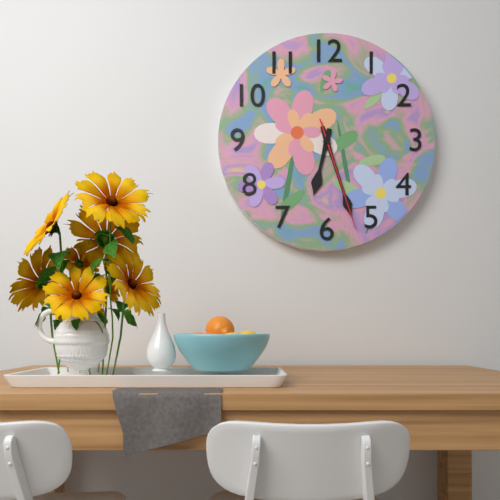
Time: **6:27:27**
